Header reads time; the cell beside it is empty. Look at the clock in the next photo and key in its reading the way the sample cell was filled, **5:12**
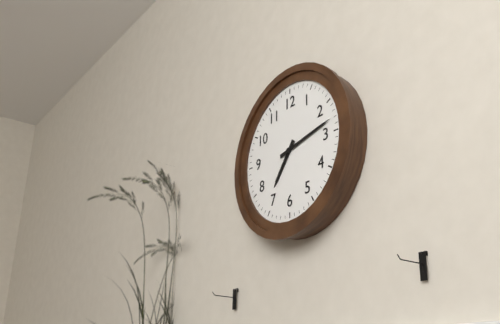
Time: **7:13**
